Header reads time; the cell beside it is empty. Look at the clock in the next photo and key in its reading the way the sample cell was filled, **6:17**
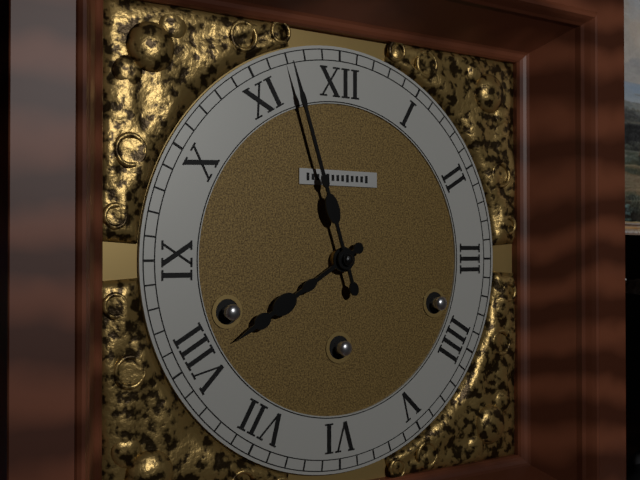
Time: **7:57**
